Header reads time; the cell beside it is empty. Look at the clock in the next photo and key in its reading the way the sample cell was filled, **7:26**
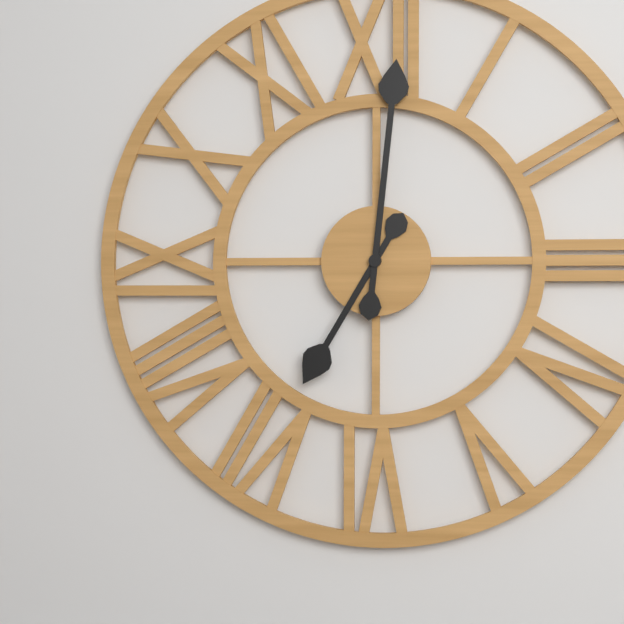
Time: **7:01**
